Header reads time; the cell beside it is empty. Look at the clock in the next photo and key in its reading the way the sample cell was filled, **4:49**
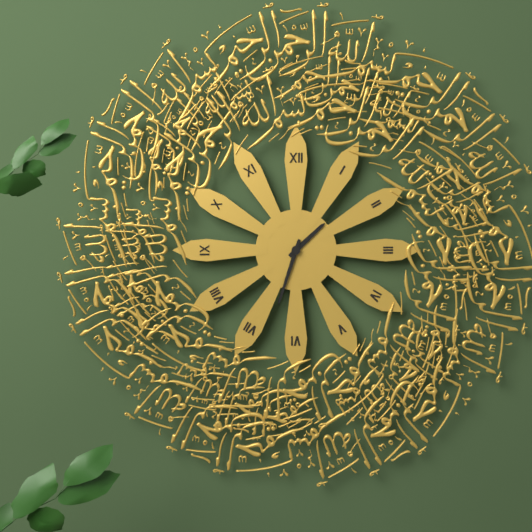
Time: **1:33**
